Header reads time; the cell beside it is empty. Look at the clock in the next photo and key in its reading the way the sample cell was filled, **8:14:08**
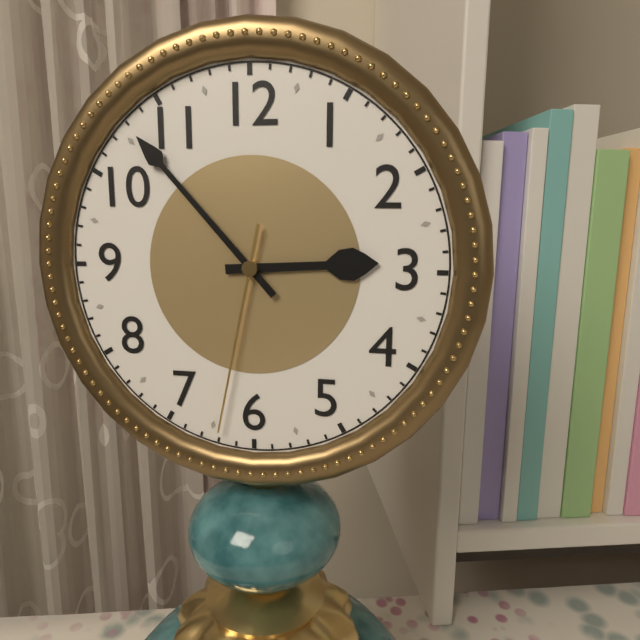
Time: **2:53:32**
